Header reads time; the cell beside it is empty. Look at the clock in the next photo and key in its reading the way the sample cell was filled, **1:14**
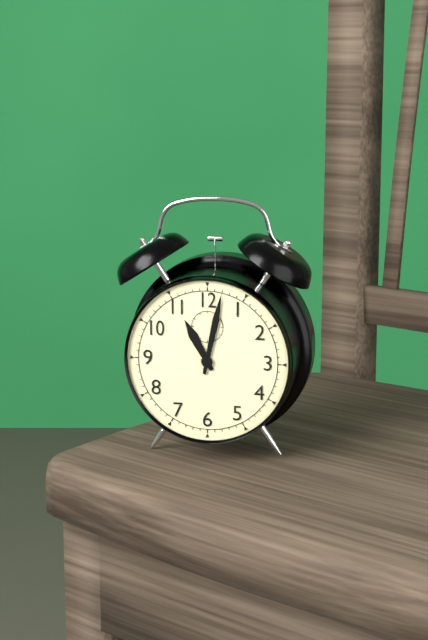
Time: **11:02**
